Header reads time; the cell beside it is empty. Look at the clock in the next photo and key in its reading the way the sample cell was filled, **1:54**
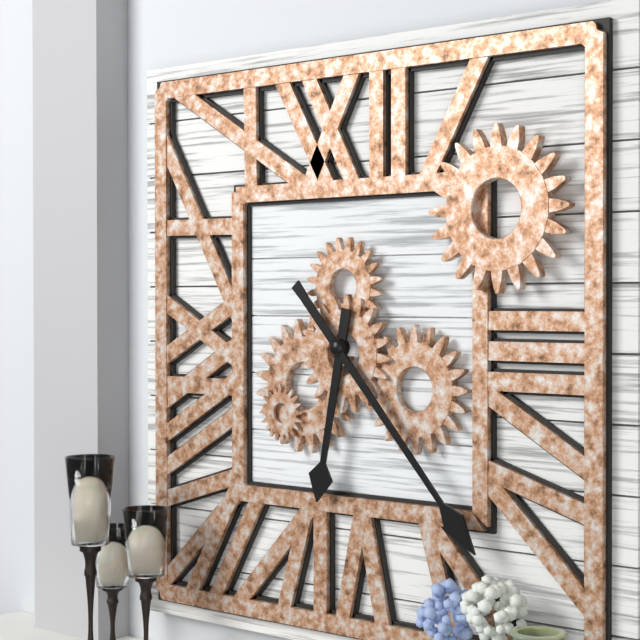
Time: **6:23**
